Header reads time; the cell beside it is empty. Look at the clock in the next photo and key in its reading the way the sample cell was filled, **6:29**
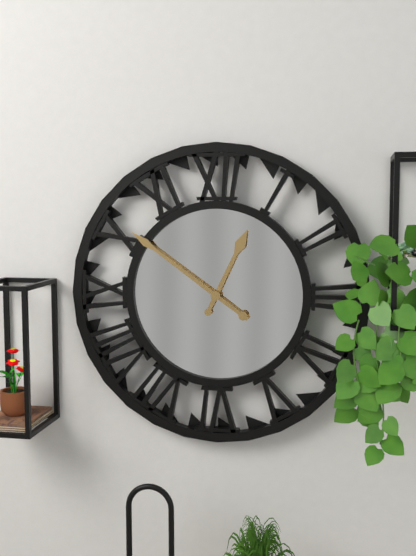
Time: **12:51**
